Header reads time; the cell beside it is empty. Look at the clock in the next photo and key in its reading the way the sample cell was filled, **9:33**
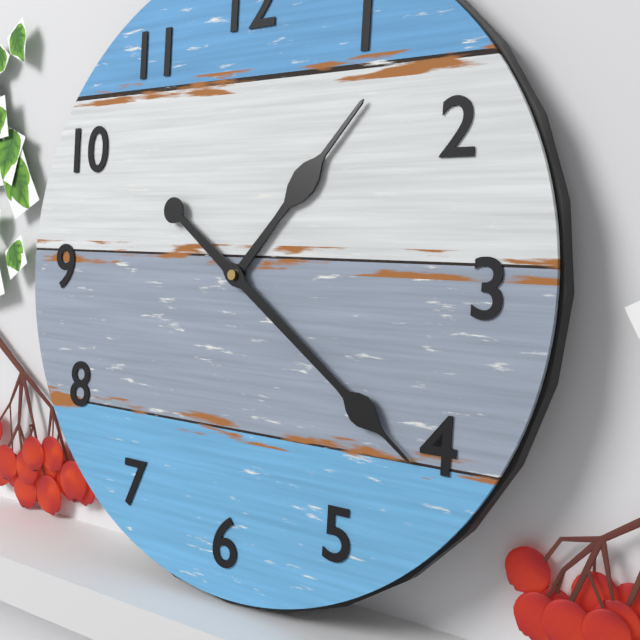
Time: **1:21**
